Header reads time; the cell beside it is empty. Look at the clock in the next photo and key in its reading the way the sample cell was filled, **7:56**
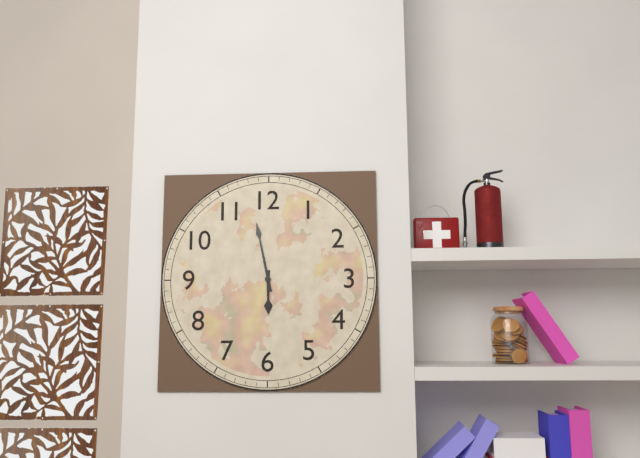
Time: **5:58**
